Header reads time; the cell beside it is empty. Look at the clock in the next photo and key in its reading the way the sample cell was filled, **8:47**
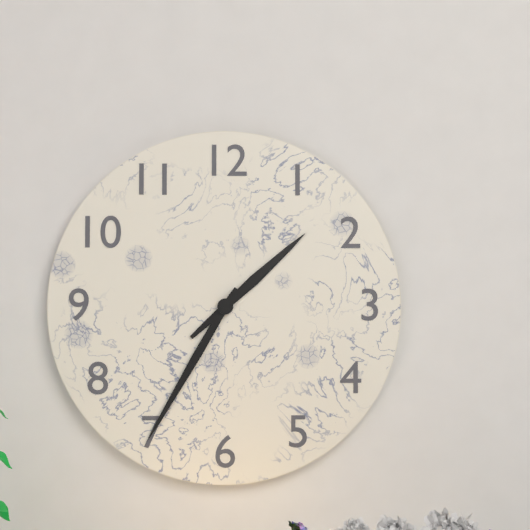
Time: **1:35**
